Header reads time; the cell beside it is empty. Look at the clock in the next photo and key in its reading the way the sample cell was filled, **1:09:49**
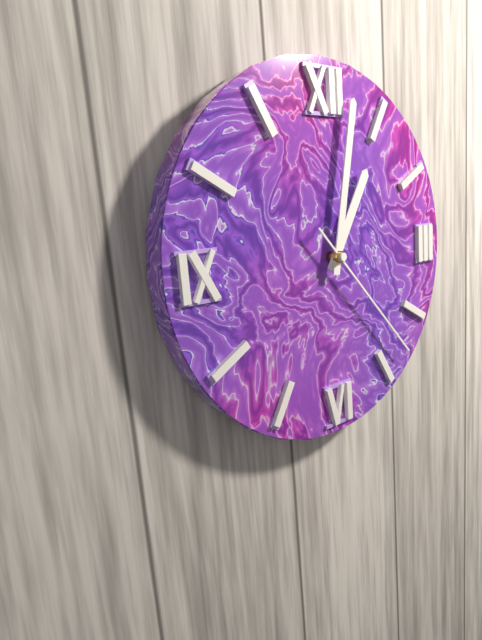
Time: **1:02:23**
